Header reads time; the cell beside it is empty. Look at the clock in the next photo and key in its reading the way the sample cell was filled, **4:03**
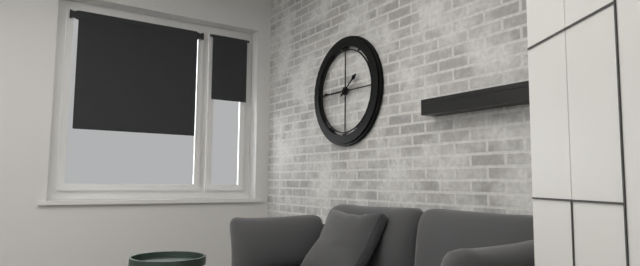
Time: **1:45**
